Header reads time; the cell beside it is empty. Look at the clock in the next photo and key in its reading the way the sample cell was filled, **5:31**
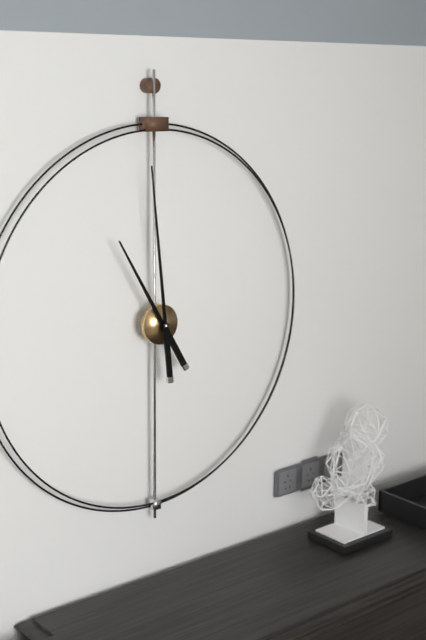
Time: **10:59**
